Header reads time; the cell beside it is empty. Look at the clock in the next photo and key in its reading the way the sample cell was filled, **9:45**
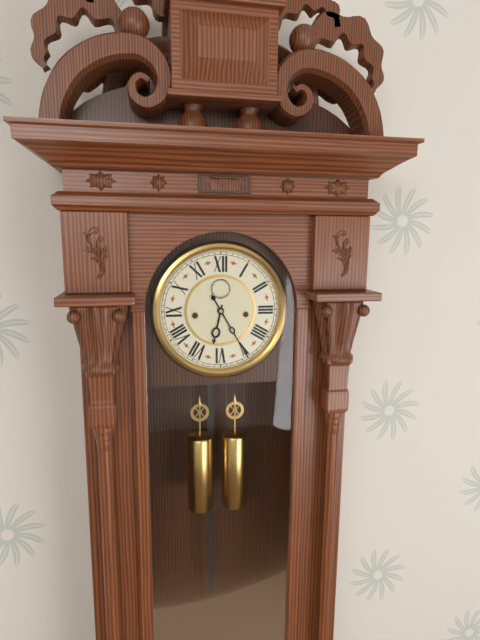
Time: **6:25**
